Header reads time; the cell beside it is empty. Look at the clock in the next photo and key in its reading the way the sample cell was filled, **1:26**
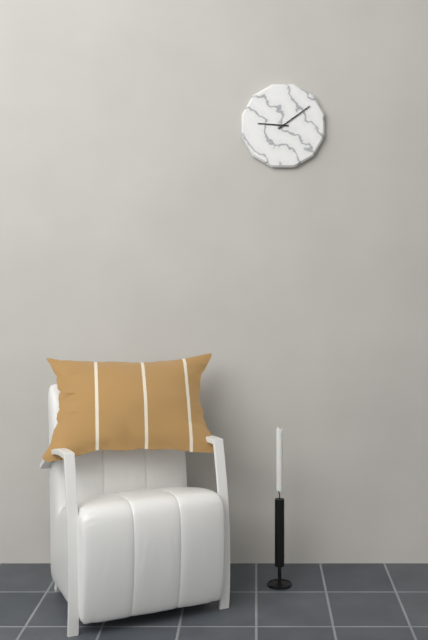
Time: **9:09**
